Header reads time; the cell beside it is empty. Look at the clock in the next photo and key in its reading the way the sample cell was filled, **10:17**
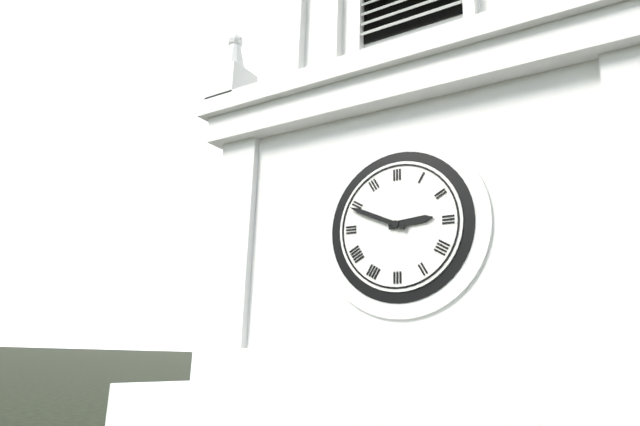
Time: **2:49**
